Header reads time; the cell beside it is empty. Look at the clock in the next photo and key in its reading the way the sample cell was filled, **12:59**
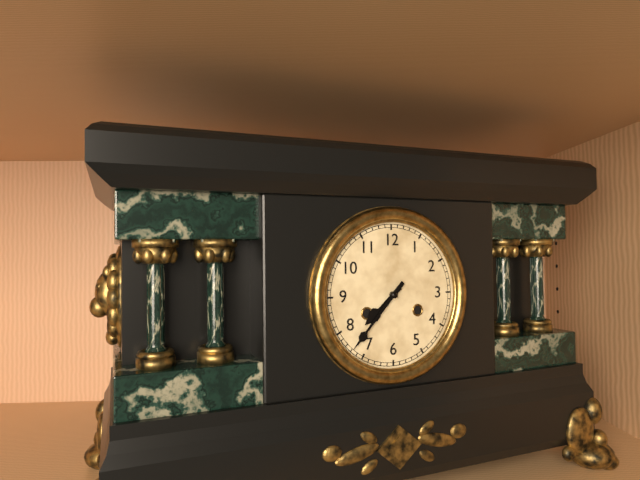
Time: **7:37**
